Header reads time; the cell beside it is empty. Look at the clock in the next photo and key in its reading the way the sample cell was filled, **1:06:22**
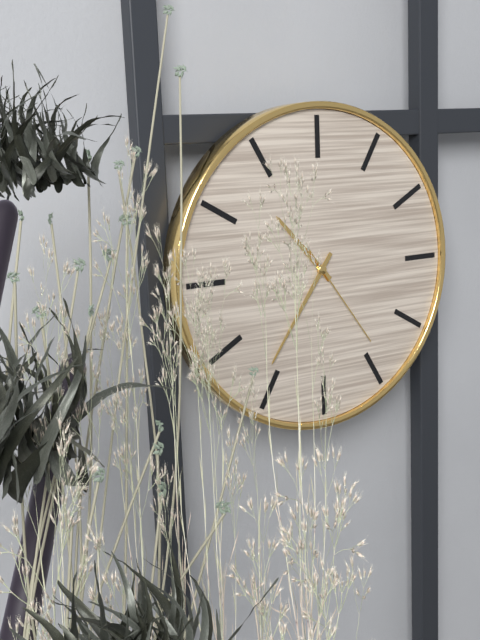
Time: **10:36:24**
